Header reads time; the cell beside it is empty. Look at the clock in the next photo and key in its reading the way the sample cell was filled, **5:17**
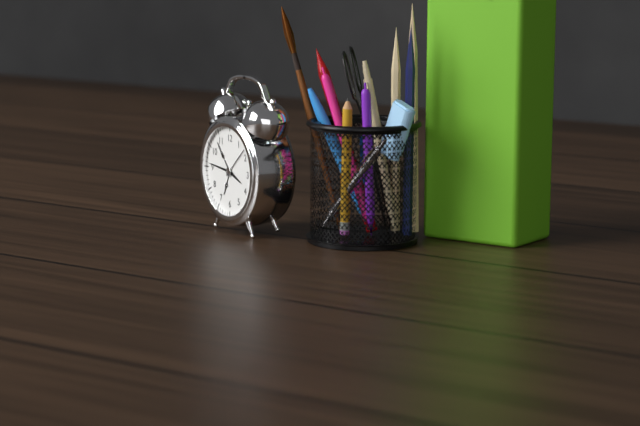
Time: **3:46**
